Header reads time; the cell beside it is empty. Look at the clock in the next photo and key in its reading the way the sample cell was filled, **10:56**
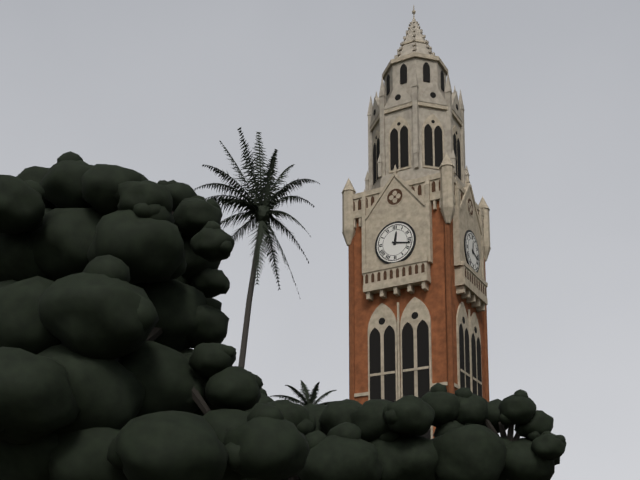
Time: **12:17**
